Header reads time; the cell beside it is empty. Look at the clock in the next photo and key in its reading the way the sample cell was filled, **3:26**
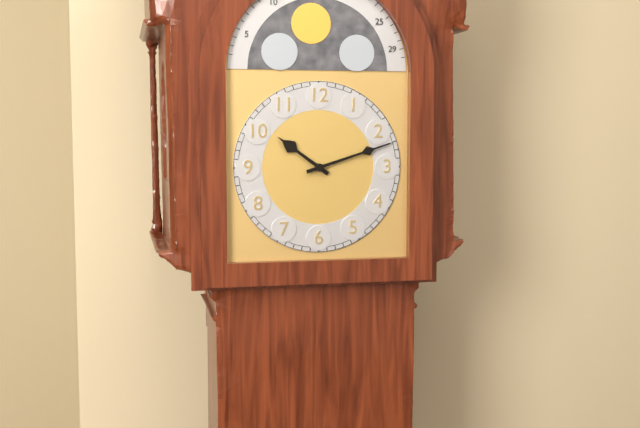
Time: **10:12**
